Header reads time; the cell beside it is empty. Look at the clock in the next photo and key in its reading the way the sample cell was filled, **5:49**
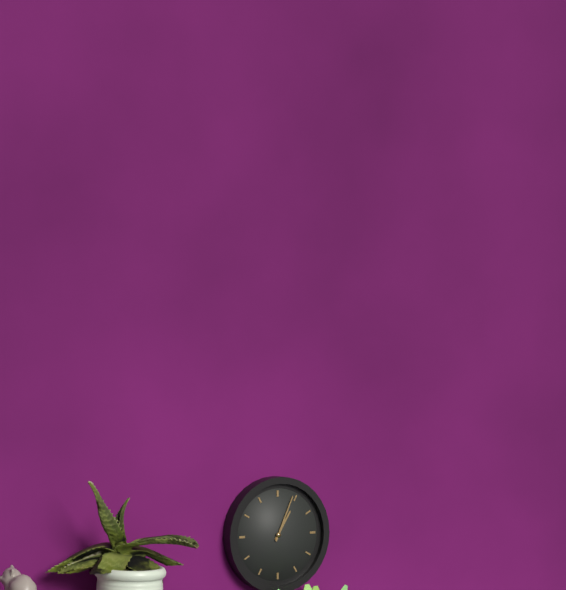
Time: **1:04**
